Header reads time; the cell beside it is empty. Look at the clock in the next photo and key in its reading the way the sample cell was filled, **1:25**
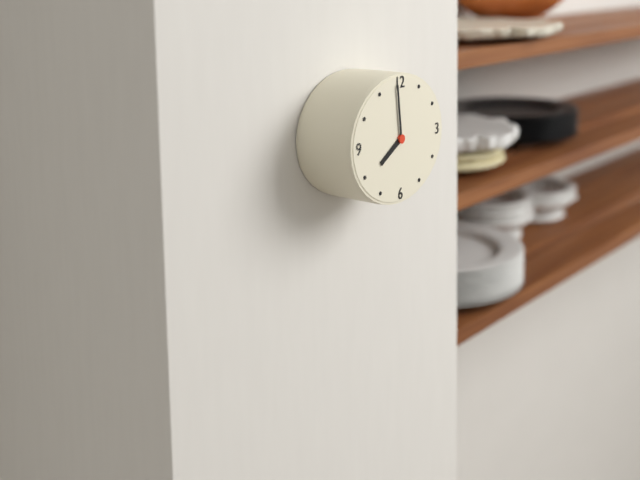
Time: **7:59**
